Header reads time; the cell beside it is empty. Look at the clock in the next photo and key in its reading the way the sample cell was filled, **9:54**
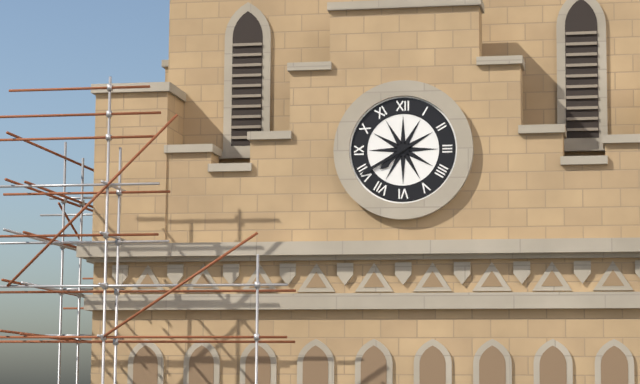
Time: **7:40**
